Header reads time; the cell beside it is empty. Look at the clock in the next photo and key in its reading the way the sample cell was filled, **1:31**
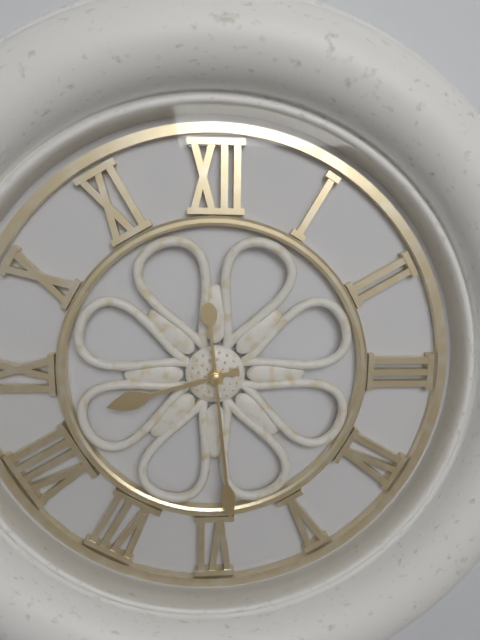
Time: **8:29**
